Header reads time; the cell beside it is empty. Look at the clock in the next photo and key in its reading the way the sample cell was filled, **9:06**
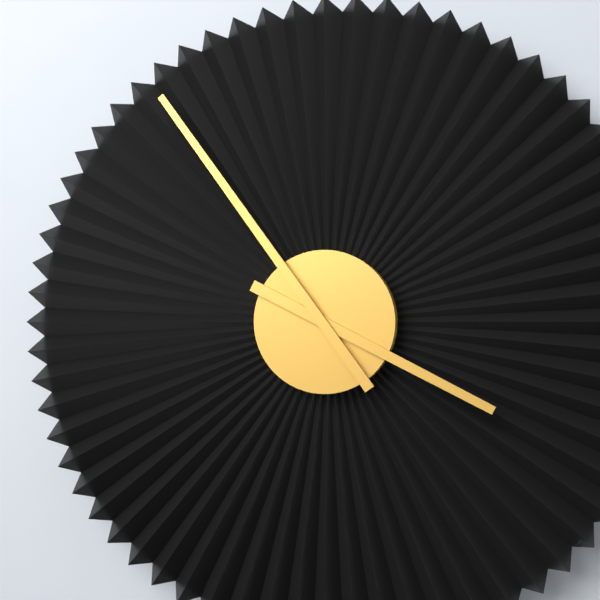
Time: **3:54**
